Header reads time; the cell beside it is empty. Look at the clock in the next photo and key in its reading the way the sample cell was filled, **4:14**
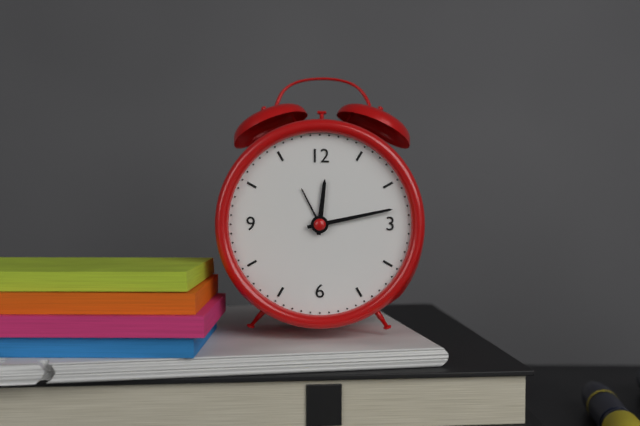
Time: **12:13**
